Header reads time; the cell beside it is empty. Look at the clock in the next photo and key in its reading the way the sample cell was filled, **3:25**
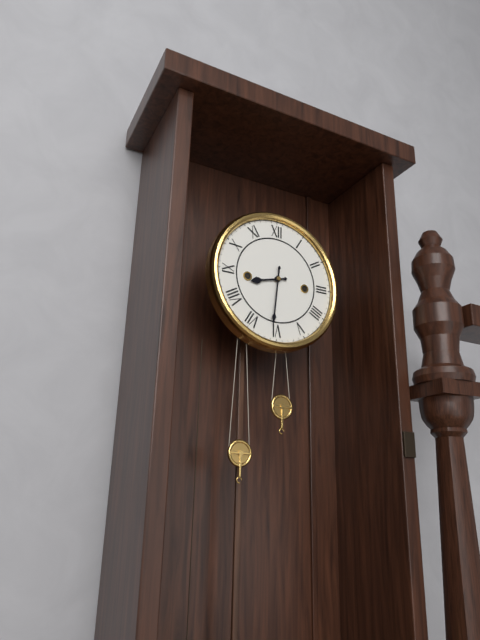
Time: **8:31**
